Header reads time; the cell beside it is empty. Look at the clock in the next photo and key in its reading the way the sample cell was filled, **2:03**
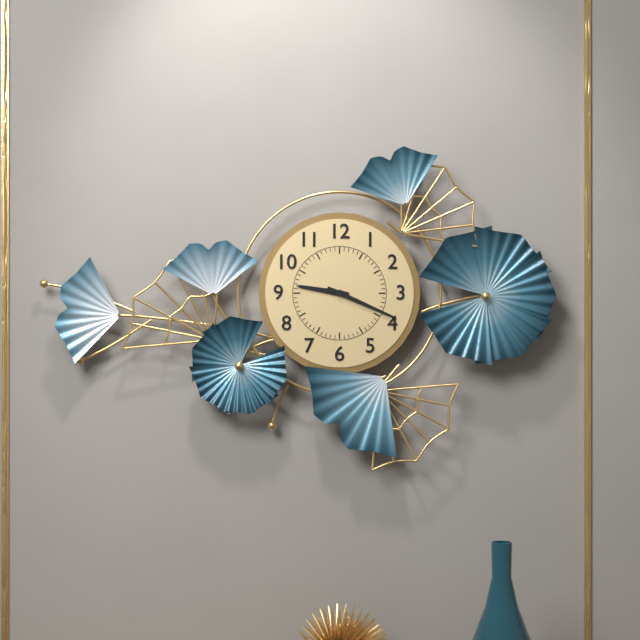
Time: **9:19**
